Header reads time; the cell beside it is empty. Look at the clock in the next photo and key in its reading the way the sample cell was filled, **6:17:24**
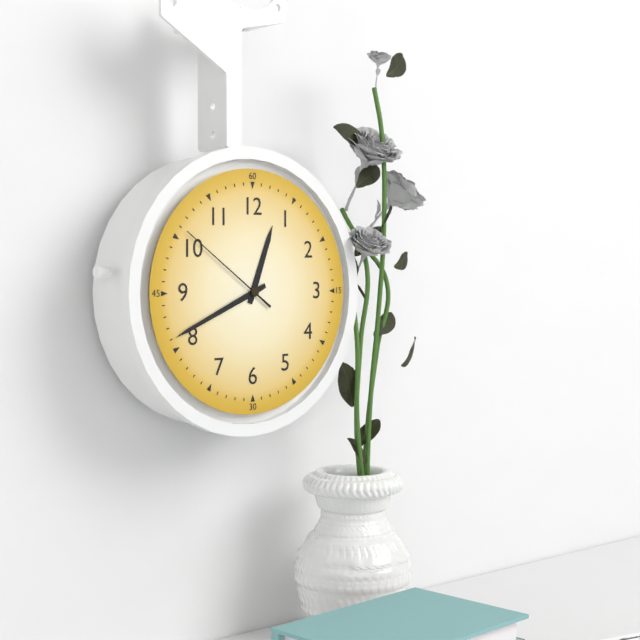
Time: **12:41:51**
